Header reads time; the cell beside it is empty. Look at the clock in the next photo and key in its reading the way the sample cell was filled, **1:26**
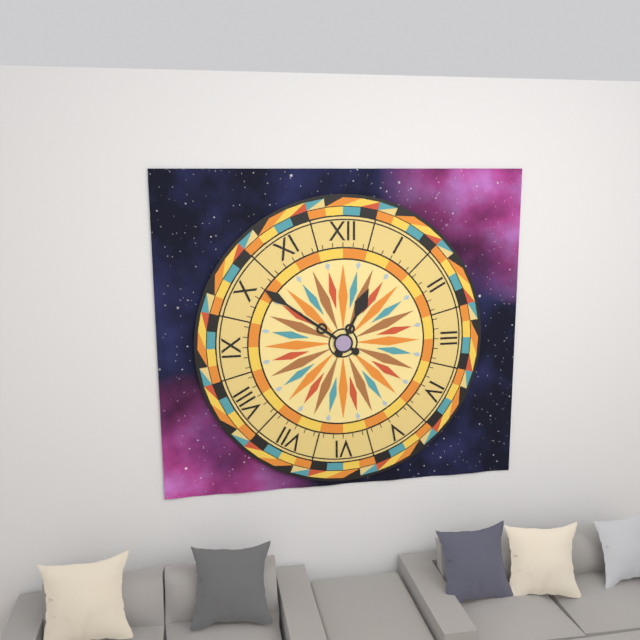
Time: **12:51**
